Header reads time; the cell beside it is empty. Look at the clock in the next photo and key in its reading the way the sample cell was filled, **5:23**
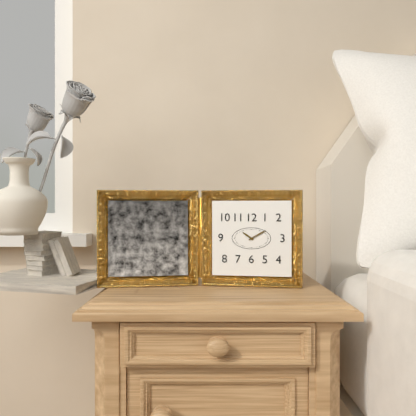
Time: **10:10**
